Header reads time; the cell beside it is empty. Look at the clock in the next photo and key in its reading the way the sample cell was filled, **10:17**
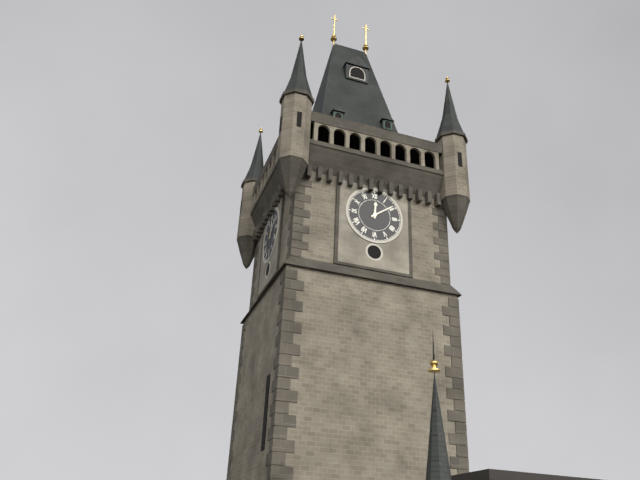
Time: **12:09**
